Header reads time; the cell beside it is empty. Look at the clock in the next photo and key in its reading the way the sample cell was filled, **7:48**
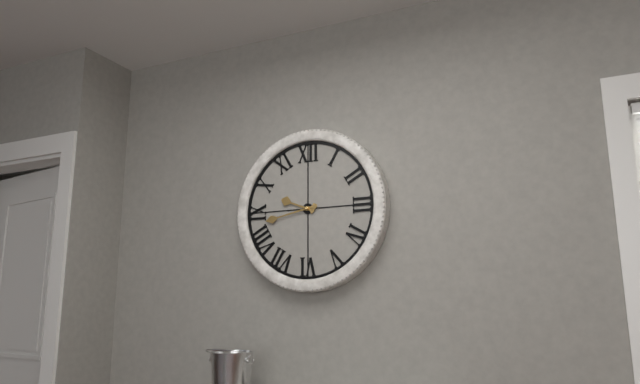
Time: **9:43**
